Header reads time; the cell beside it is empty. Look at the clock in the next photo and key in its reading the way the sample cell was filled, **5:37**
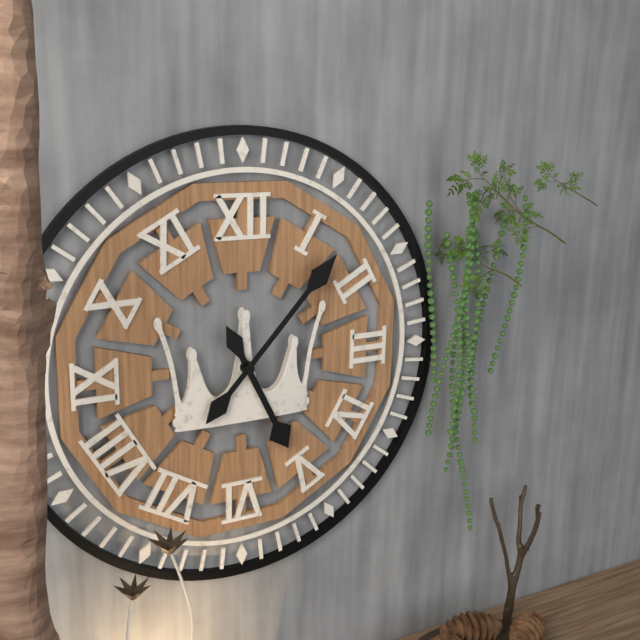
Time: **5:07**
